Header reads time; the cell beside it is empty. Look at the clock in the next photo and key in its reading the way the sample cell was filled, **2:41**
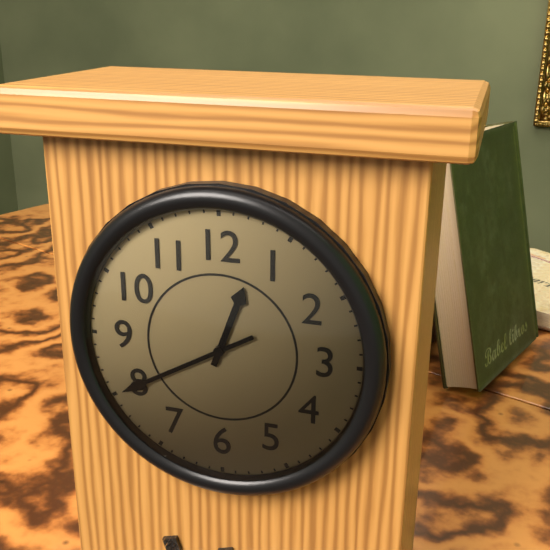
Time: **12:40**
